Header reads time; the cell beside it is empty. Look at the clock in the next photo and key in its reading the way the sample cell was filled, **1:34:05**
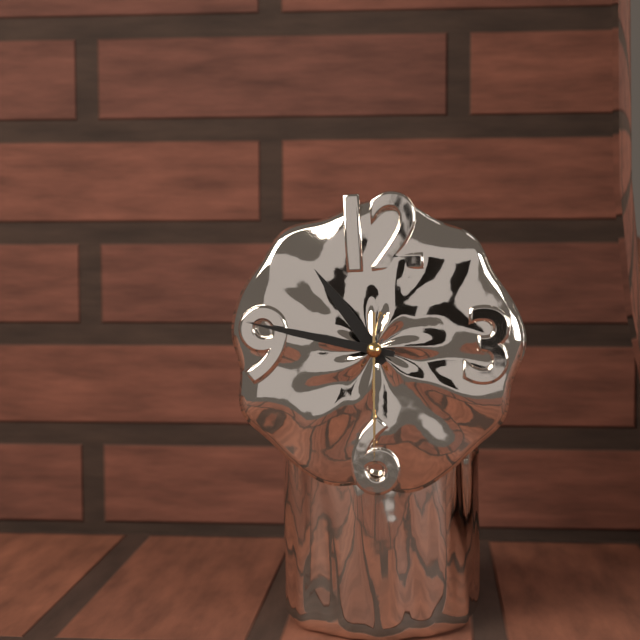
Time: **10:47:30**
